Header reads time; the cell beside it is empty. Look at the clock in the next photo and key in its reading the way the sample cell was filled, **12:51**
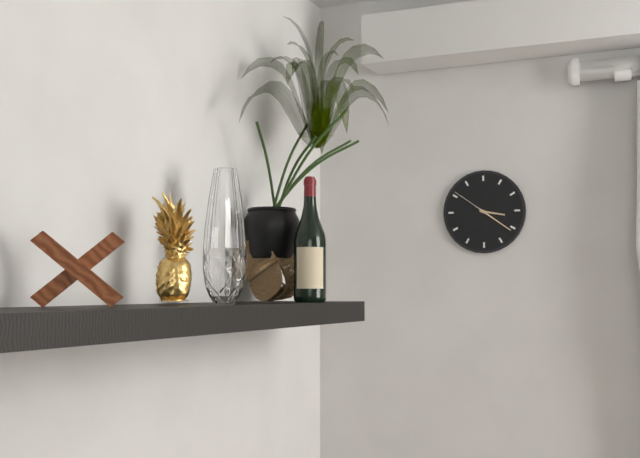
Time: **3:21**
